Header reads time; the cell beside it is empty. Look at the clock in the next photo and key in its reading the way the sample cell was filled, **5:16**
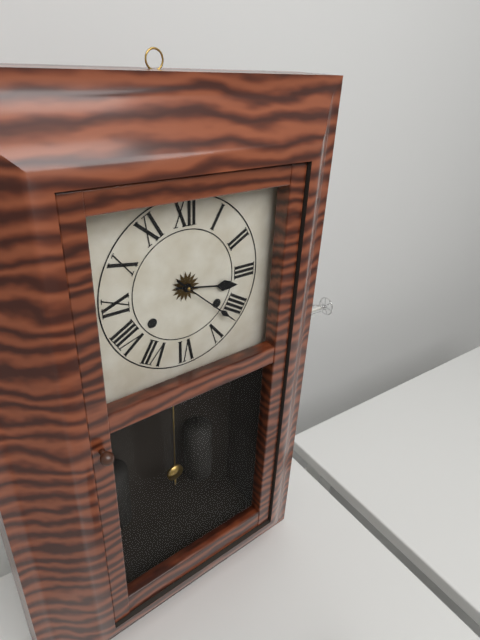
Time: **3:22**
